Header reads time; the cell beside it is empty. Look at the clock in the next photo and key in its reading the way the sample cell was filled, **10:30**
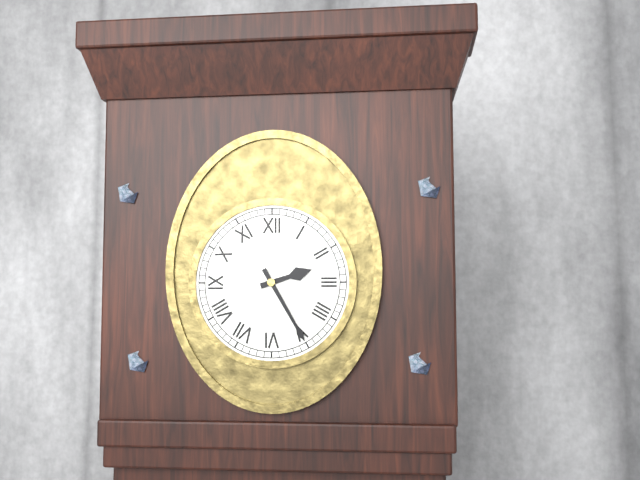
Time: **2:25**
